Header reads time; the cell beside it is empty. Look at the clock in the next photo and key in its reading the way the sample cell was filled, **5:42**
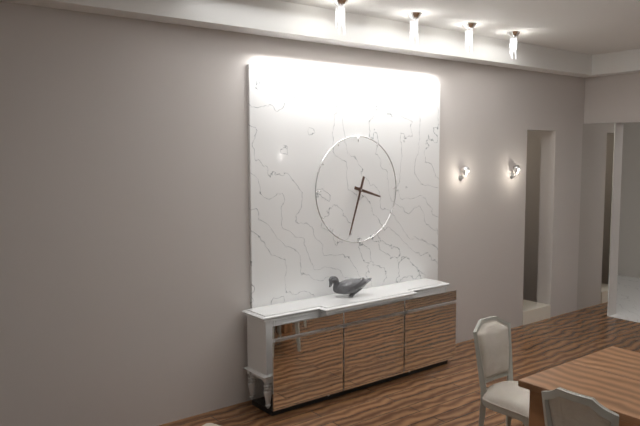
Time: **3:33**
